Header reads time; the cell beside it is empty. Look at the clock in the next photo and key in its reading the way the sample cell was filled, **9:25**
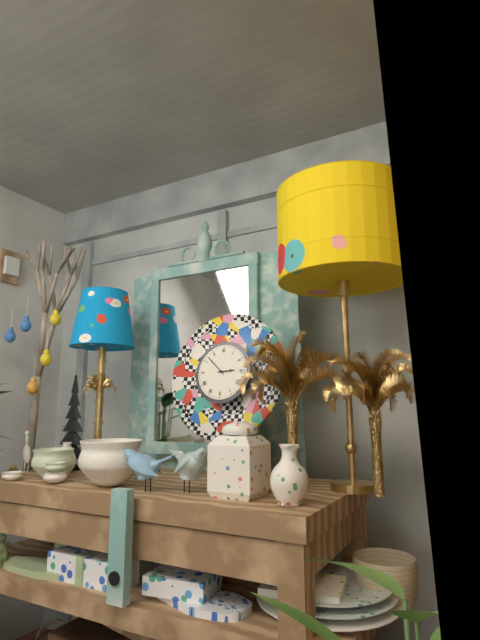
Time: **2:52**
